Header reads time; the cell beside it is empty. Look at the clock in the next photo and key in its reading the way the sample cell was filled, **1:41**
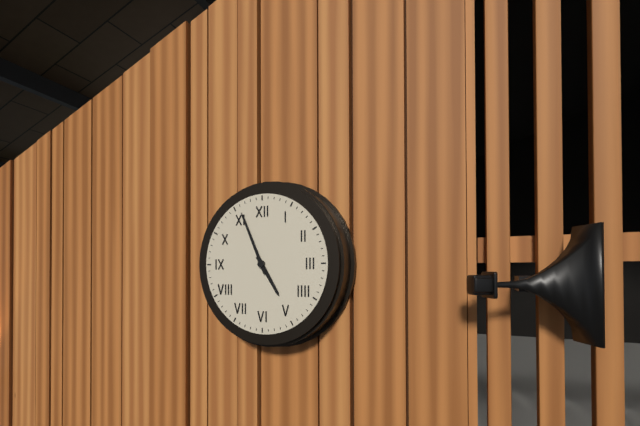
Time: **4:56**
